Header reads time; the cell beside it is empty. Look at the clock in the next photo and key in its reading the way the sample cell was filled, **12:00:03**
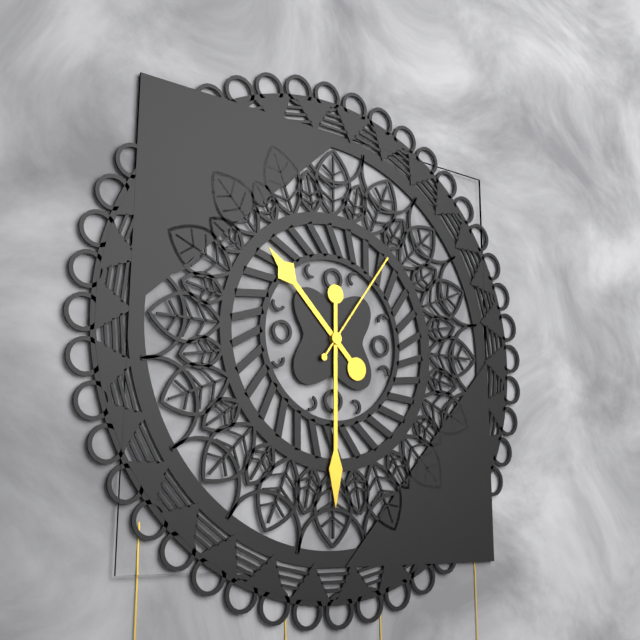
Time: **10:30:06**
